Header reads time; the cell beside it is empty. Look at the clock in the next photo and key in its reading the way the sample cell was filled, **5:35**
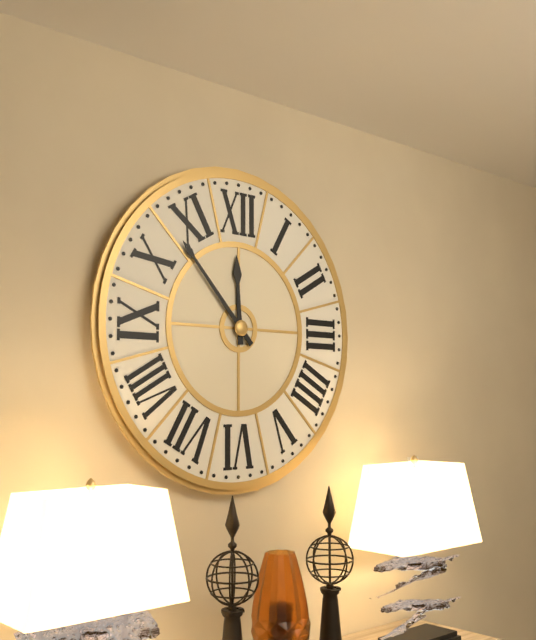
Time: **11:53**
